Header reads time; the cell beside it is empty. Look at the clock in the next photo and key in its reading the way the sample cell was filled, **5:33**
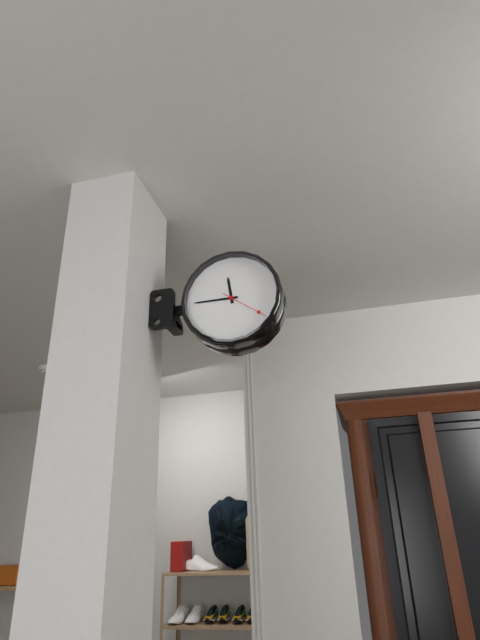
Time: **11:45**
